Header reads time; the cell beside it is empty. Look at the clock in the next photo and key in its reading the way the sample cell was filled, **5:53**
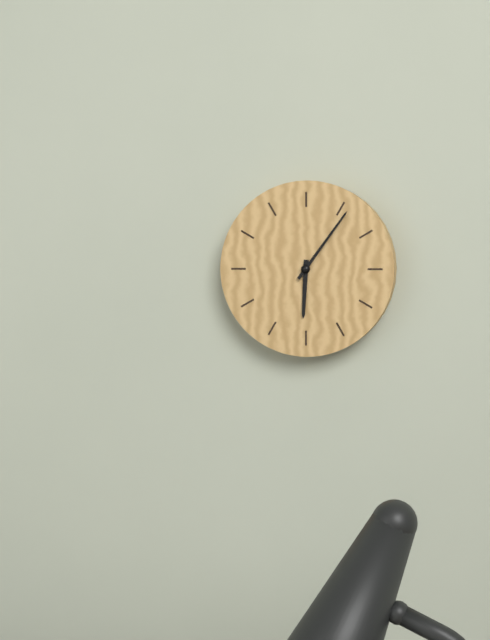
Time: **6:06**
